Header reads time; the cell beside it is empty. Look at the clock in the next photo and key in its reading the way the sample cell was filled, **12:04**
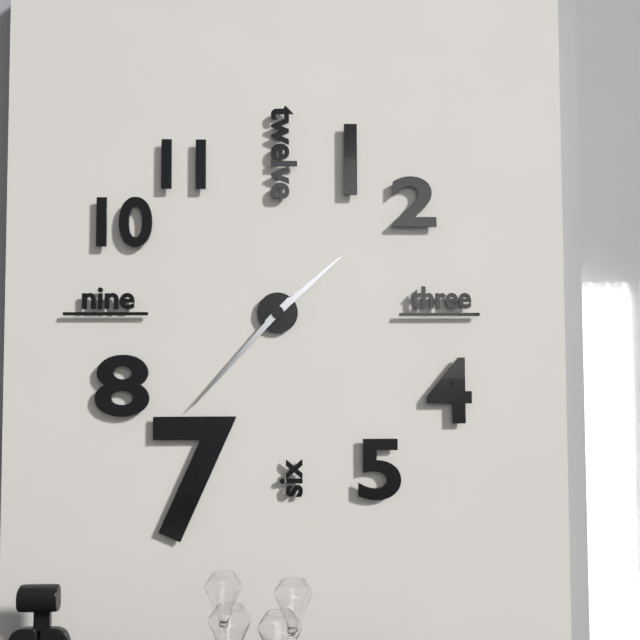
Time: **1:37**
